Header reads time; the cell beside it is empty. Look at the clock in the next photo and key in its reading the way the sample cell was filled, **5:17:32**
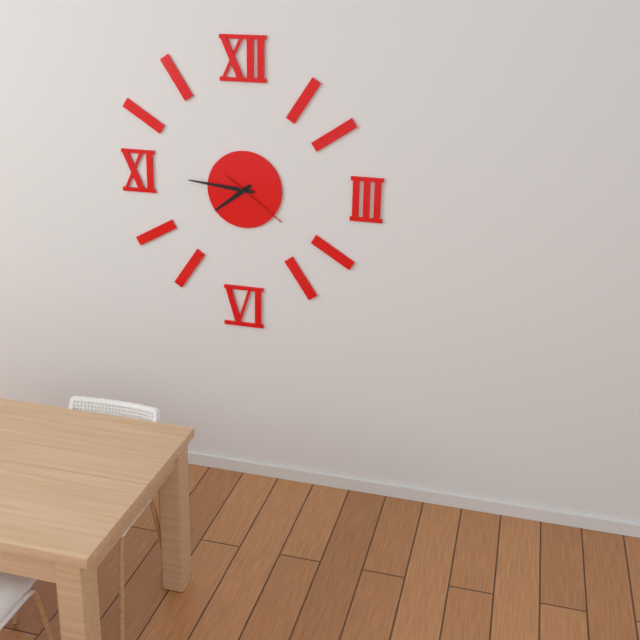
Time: **7:46:21**
